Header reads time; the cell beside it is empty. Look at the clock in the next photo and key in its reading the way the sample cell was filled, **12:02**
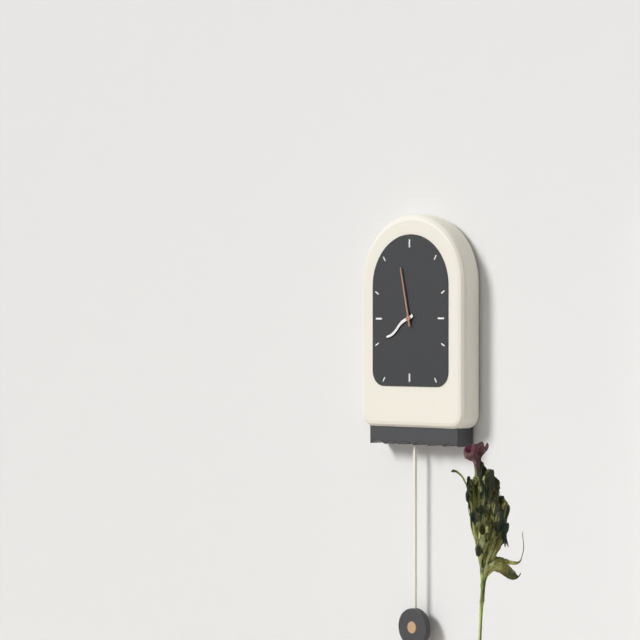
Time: **7:58**
